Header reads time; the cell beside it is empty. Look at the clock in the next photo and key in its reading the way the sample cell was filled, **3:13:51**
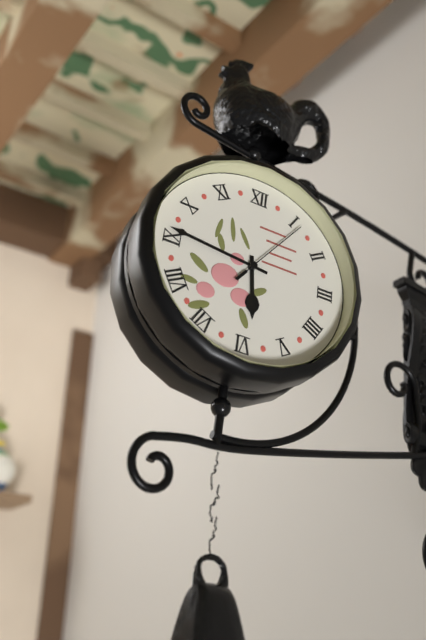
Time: **5:46:06**
